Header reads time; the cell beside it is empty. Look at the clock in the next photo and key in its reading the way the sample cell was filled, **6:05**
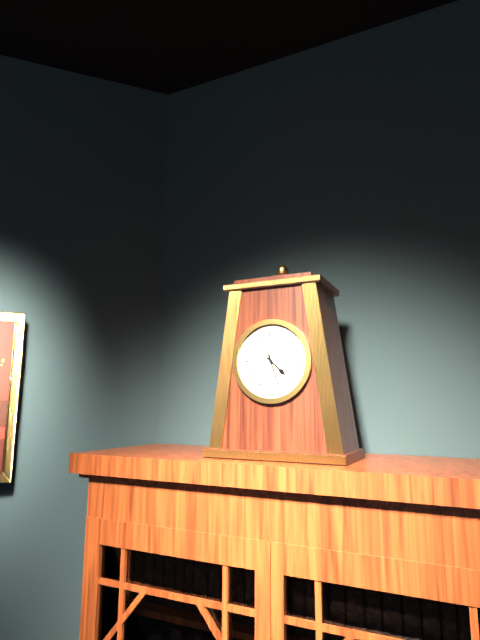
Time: **4:27**
